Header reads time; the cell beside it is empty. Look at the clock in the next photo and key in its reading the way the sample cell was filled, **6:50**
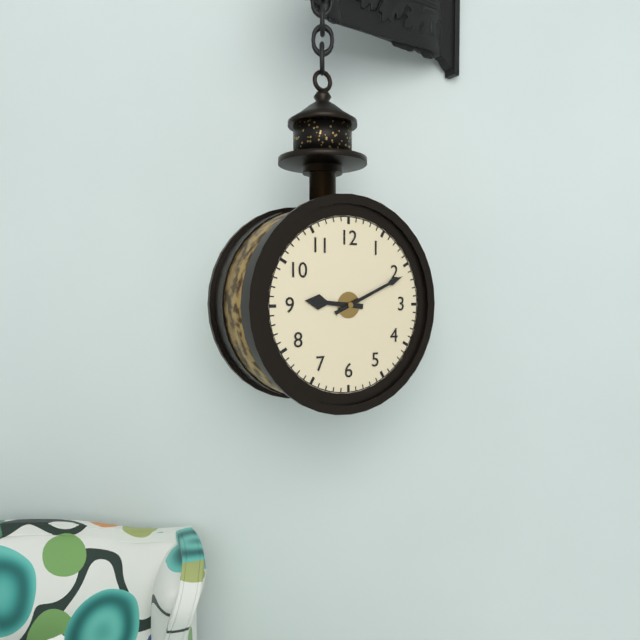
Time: **9:11**
